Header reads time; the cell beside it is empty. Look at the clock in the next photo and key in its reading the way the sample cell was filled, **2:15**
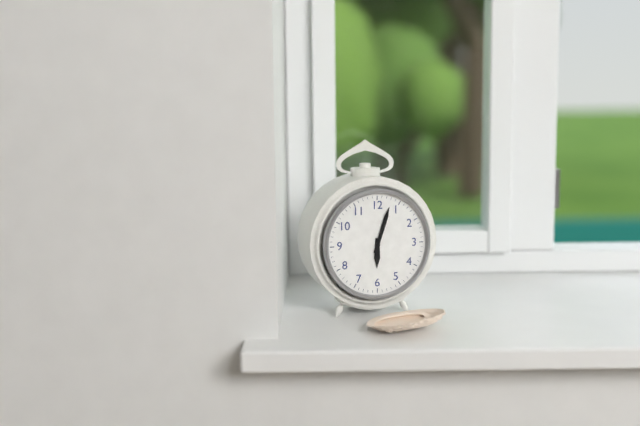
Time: **6:03**
